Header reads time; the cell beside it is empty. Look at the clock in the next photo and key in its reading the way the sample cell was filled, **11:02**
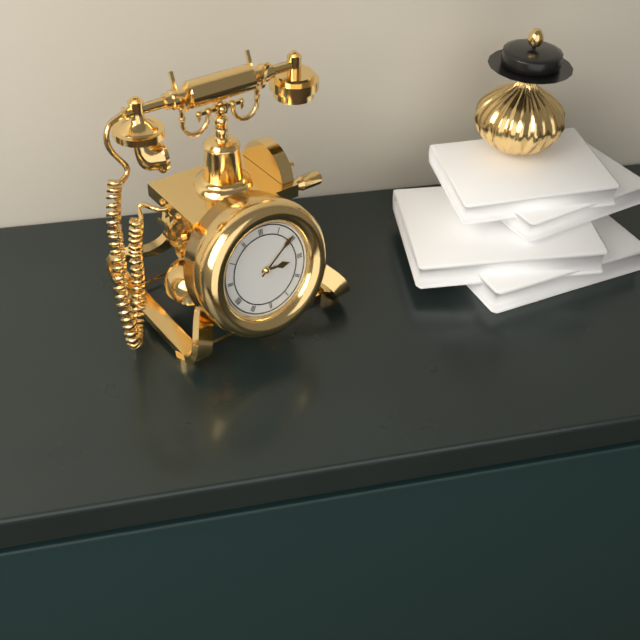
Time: **3:09**
